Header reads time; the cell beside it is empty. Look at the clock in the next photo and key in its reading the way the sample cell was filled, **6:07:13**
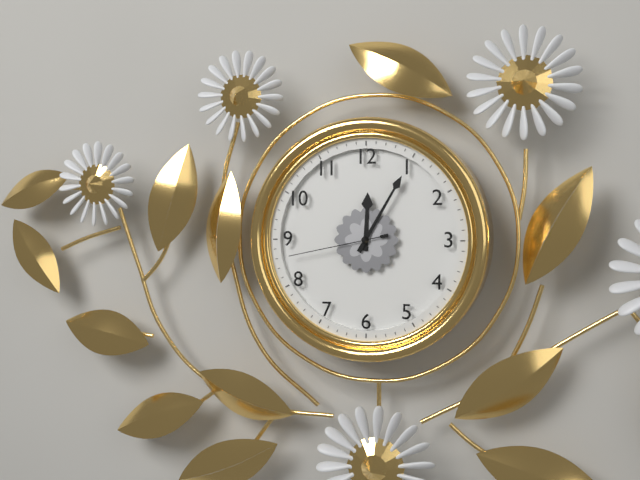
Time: **12:05:43**
